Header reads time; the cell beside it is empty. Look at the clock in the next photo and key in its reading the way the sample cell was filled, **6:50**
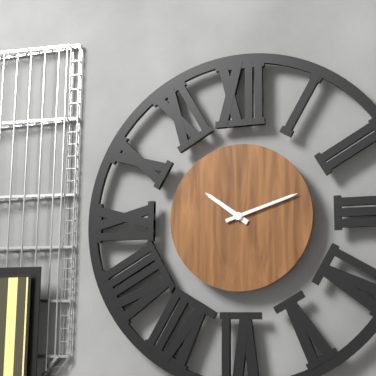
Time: **10:12**
